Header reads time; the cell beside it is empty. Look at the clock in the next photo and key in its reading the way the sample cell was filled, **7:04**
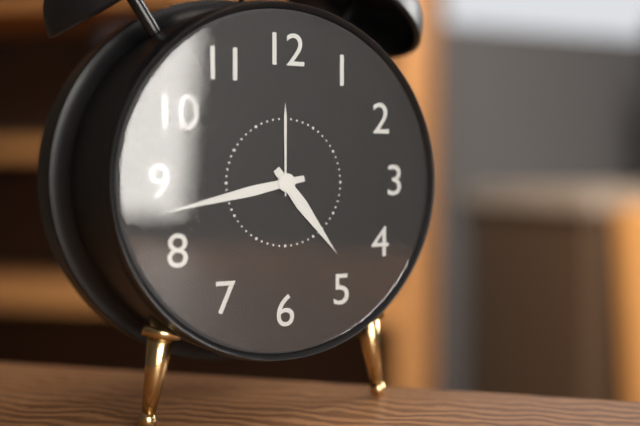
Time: **4:43**
